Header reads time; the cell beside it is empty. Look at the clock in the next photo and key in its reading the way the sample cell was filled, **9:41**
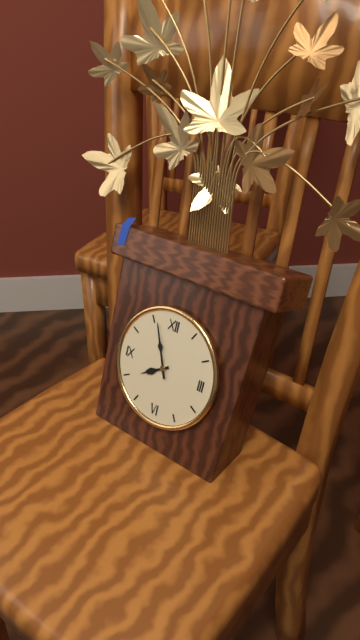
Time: **7:56**
